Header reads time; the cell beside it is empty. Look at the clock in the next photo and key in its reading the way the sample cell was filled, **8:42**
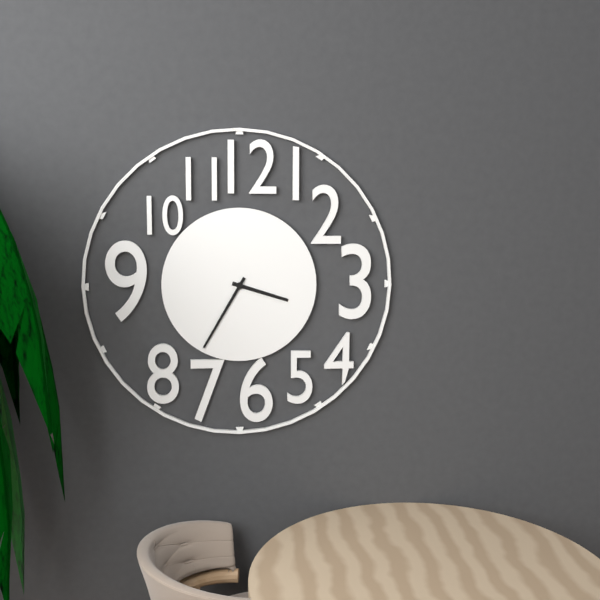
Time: **3:35**
